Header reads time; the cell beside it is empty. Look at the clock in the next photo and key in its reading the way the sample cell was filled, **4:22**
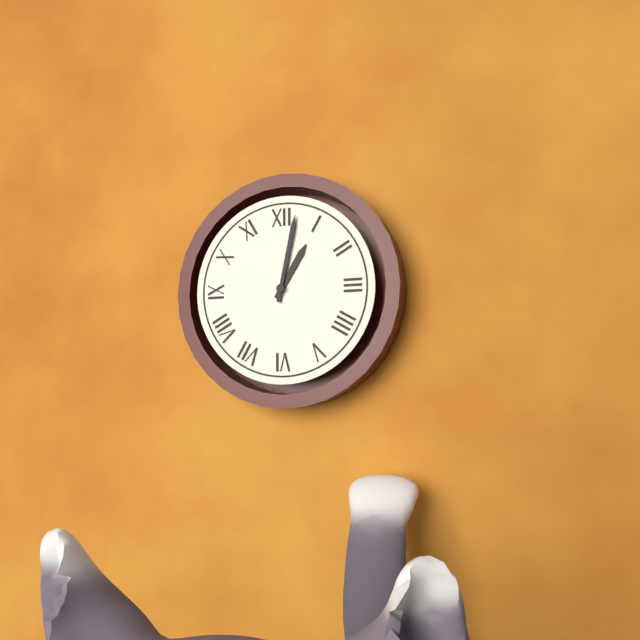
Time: **1:02**
